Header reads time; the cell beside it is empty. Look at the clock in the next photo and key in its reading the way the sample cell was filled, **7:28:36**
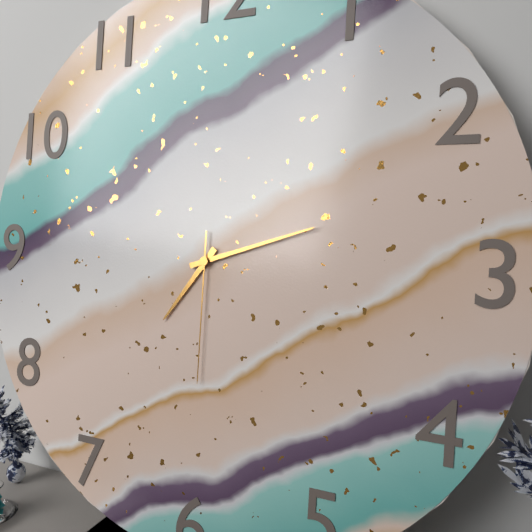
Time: **7:12:30**
